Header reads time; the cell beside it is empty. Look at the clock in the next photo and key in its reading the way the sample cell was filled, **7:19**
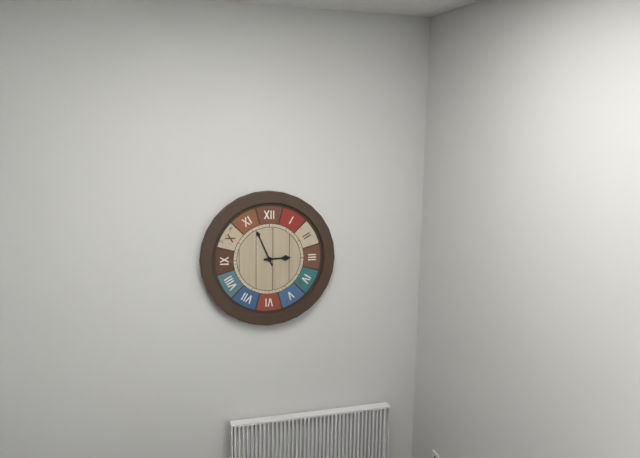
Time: **2:56**
